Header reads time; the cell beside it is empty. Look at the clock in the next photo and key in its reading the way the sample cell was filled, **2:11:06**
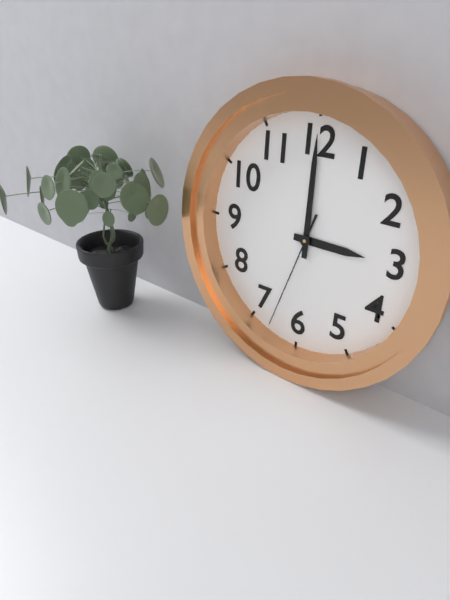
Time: **3:00:33**
